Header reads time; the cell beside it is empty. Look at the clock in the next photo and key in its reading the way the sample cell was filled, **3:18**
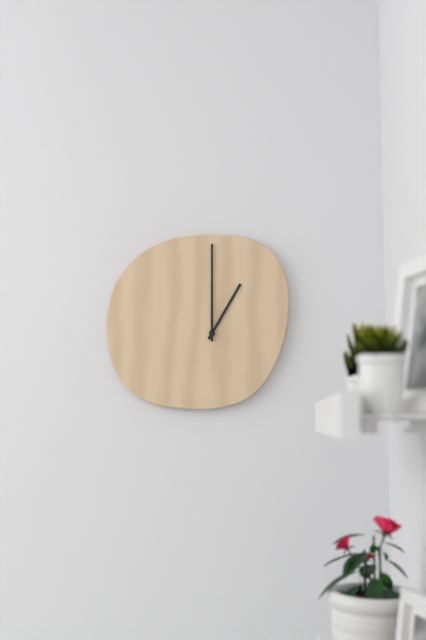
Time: **1:00**
